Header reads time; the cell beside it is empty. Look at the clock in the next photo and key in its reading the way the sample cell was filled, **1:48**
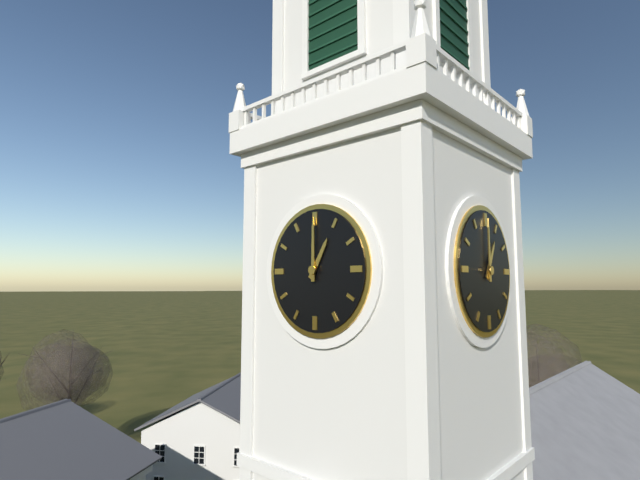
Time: **1:00**
